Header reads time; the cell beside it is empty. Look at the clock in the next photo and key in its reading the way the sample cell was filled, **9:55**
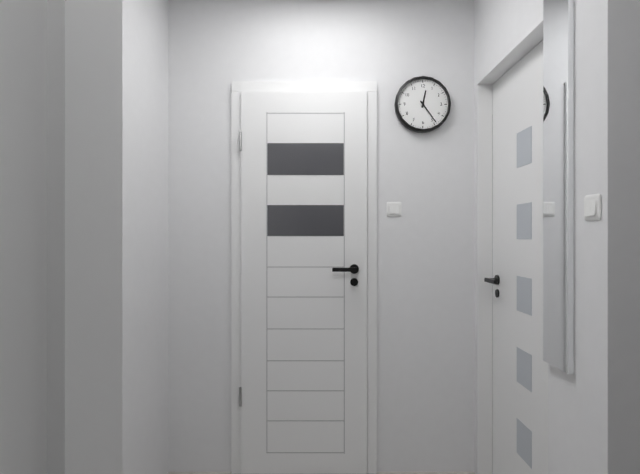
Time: **12:24**
